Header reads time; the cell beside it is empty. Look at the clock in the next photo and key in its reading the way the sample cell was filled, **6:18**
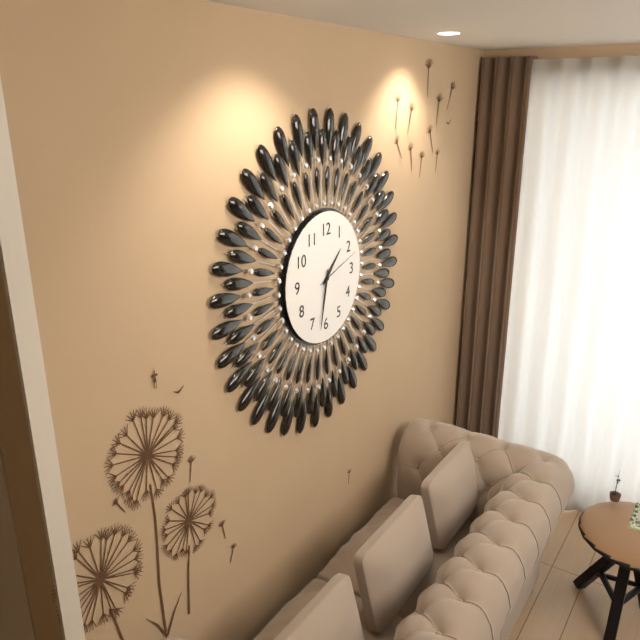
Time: **1:32**
